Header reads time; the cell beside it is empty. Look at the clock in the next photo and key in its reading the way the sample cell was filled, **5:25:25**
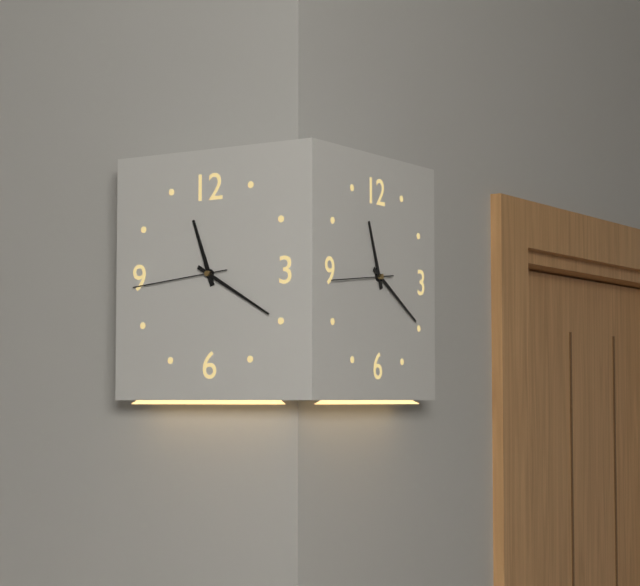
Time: **11:20:44**
